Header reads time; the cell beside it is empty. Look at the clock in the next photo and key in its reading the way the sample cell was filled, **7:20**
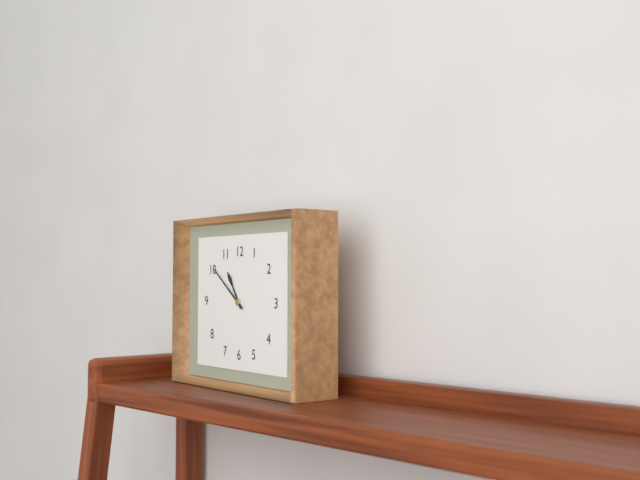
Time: **10:51**
